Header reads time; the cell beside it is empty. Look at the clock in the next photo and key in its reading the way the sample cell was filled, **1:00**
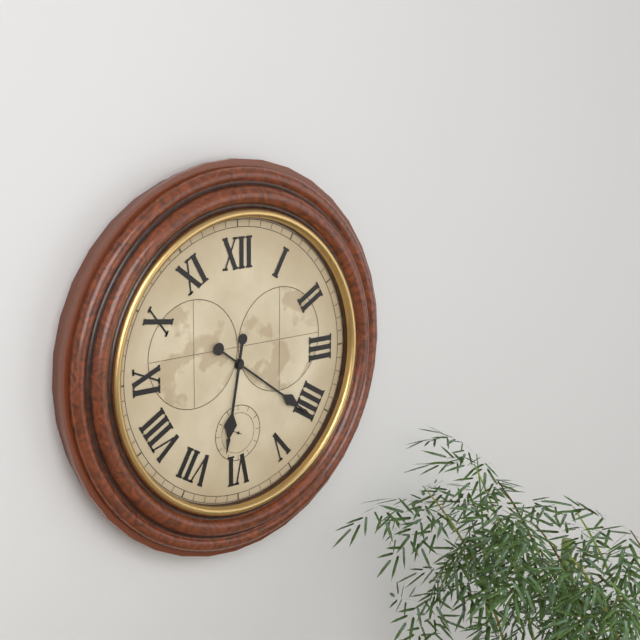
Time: **6:21**
